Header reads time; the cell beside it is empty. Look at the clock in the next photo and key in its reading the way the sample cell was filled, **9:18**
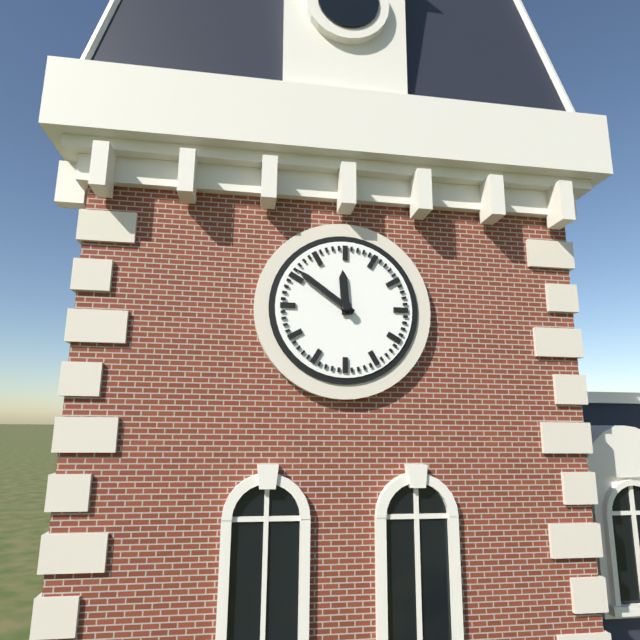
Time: **11:51**
